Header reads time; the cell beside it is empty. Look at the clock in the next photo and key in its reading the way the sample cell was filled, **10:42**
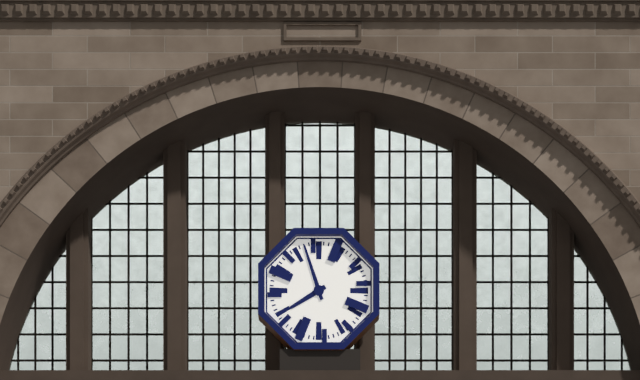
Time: **7:57**
